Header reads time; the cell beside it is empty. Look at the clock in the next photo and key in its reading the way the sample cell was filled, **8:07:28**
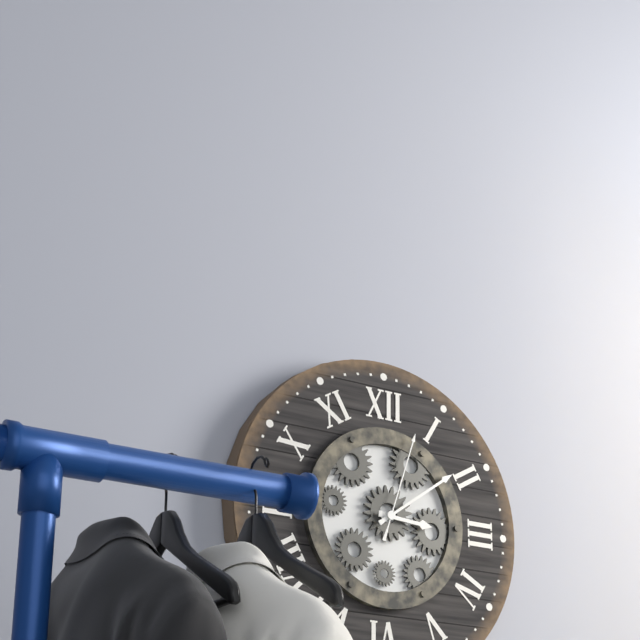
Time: **3:09:03**
